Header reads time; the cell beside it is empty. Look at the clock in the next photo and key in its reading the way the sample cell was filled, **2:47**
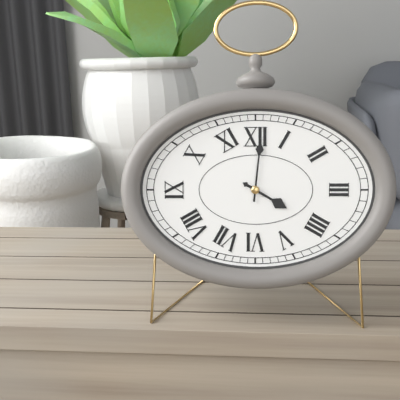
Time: **4:01**
